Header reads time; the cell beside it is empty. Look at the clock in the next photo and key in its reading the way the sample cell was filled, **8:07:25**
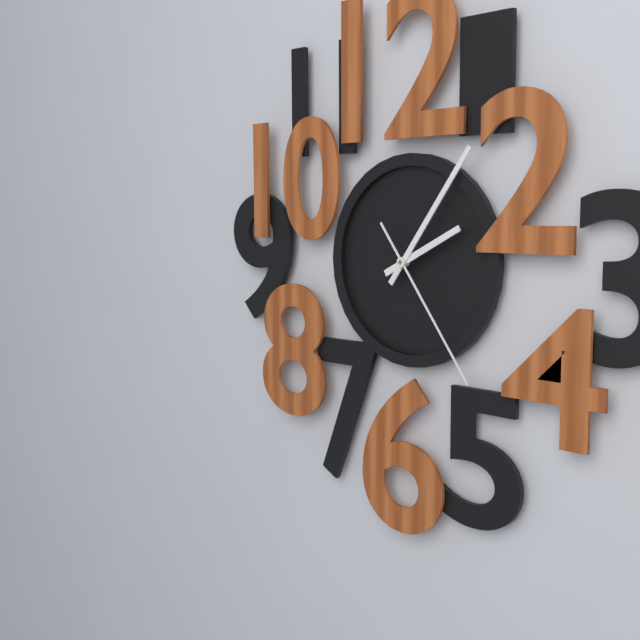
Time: **2:06:24**
